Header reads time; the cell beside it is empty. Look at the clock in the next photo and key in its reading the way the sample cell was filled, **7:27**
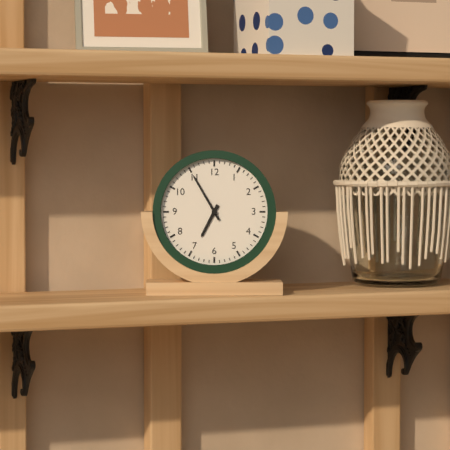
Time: **6:55**
